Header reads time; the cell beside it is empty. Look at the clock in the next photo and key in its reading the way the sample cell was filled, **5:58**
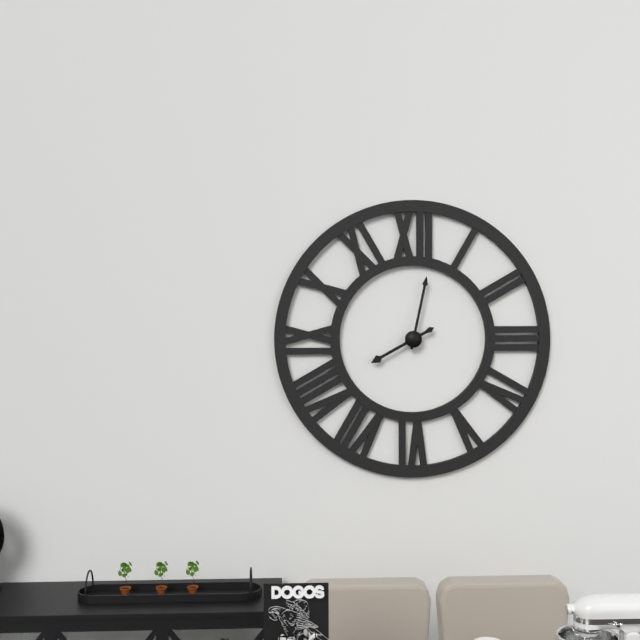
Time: **8:02**
